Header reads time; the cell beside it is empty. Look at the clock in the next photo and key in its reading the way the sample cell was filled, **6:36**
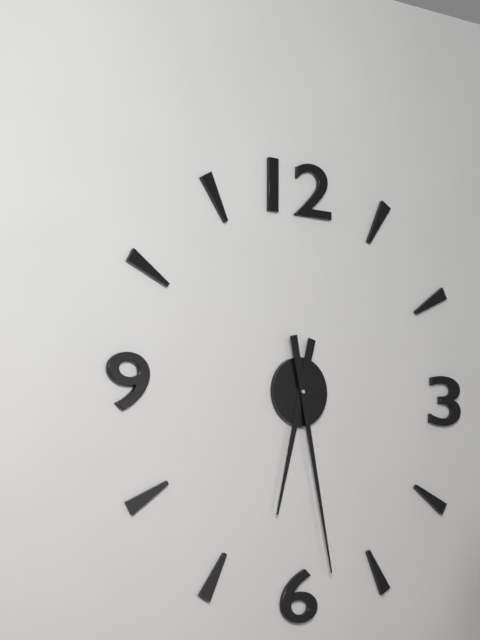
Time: **6:28**
